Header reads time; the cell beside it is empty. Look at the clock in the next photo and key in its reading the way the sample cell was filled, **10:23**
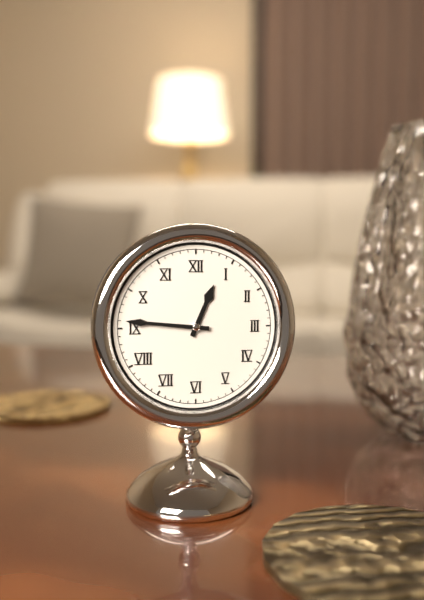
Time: **12:46**
